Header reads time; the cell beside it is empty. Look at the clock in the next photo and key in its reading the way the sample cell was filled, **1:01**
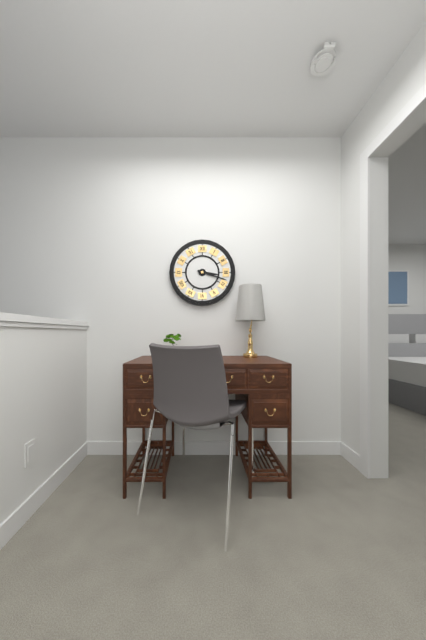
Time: **3:18**
